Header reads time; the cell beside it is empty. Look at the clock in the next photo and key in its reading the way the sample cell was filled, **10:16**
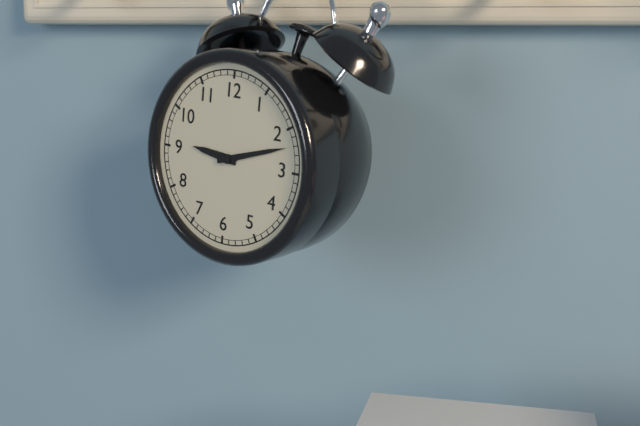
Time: **9:12**
